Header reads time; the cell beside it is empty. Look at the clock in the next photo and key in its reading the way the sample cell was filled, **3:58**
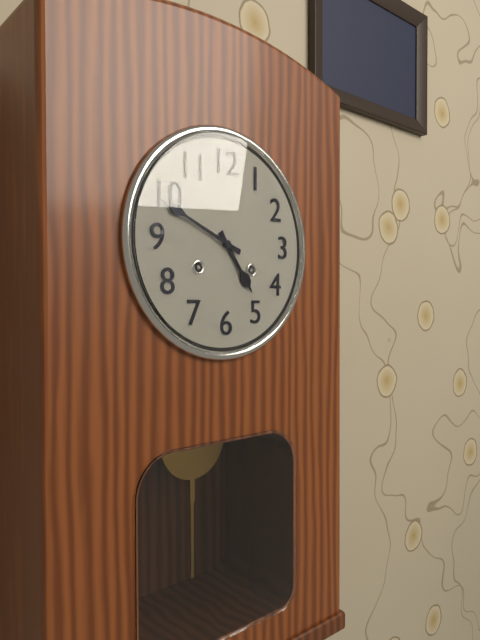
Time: **4:49**
